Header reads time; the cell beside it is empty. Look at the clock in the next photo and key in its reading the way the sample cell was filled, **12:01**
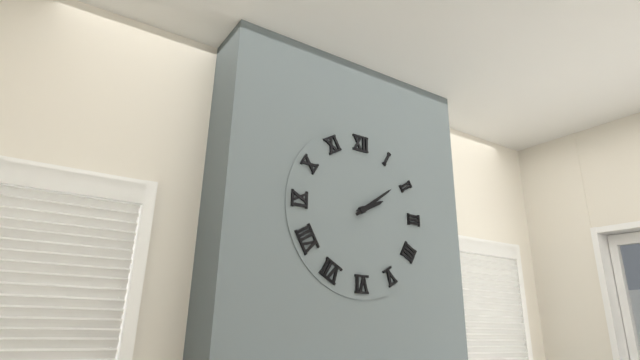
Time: **2:09**
